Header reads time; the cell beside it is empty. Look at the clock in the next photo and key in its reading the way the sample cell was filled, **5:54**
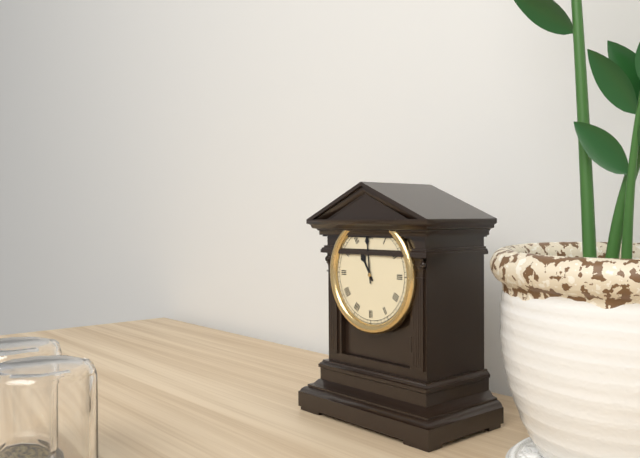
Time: **10:59**
